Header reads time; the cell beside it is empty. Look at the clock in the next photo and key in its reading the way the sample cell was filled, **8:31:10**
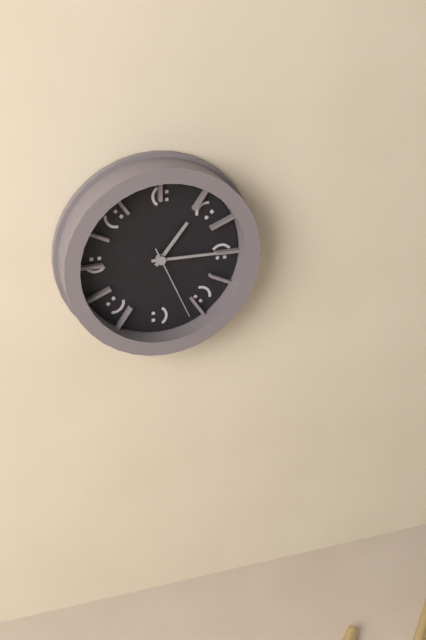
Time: **1:15:26**
